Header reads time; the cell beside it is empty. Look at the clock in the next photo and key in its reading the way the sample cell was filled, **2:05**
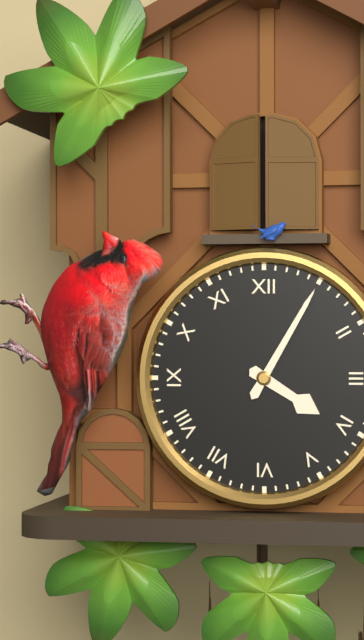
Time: **4:05**
